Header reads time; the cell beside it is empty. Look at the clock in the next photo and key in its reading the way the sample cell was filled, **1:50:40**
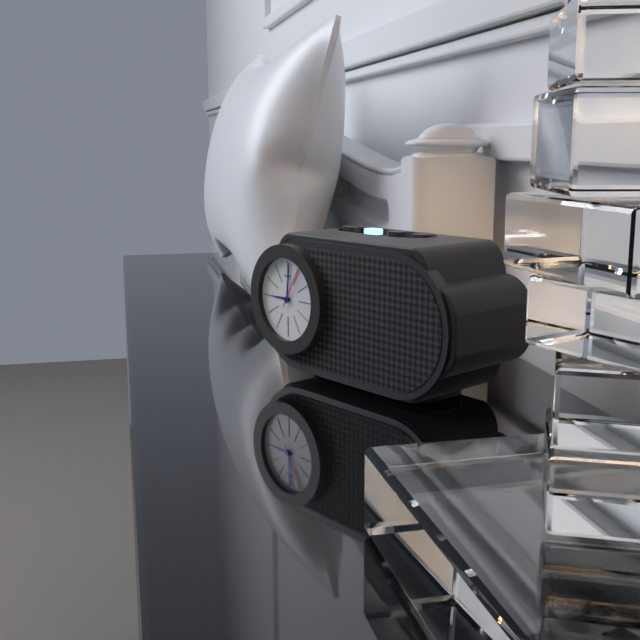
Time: **9:01:05**
